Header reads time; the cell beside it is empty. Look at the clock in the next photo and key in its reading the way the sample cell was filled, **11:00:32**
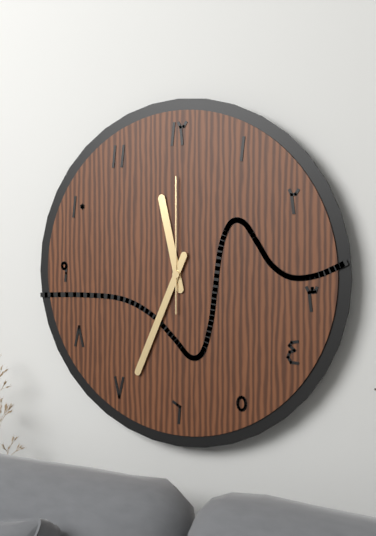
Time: **11:34:00**
